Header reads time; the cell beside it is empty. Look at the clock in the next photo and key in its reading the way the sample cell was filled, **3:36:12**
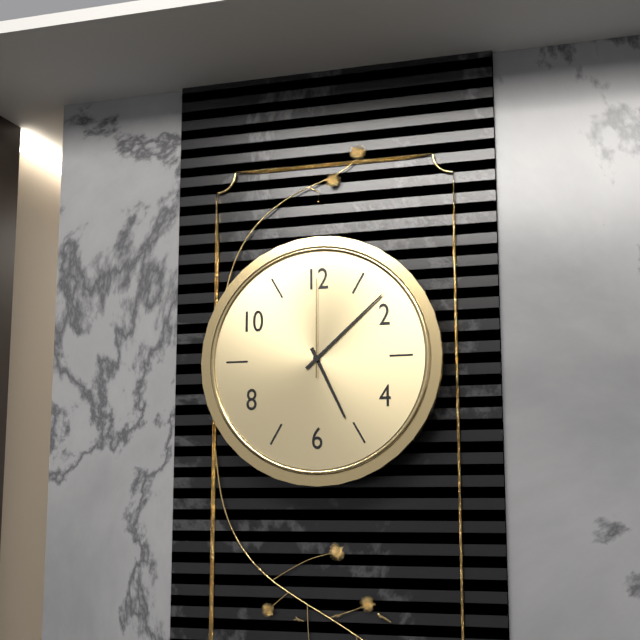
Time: **5:08:00**
